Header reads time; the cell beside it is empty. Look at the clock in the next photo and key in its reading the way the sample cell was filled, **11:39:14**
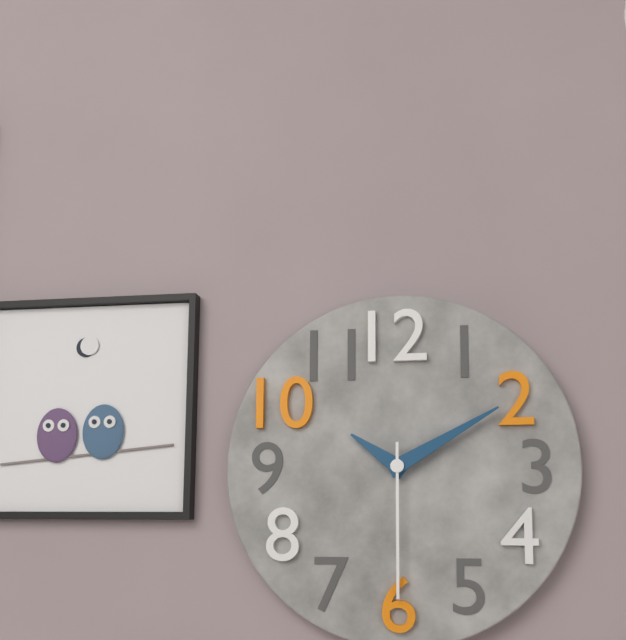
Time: **10:10:30**
